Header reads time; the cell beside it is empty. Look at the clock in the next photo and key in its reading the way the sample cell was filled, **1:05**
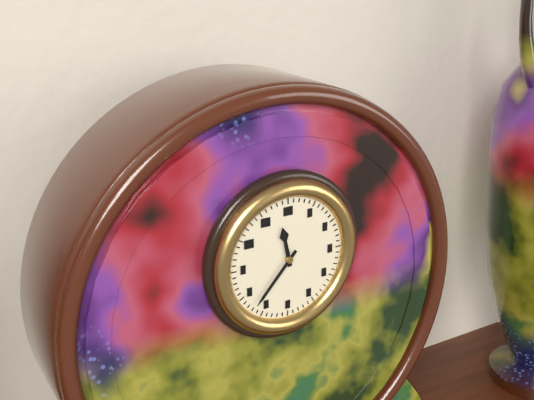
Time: **11:37**
